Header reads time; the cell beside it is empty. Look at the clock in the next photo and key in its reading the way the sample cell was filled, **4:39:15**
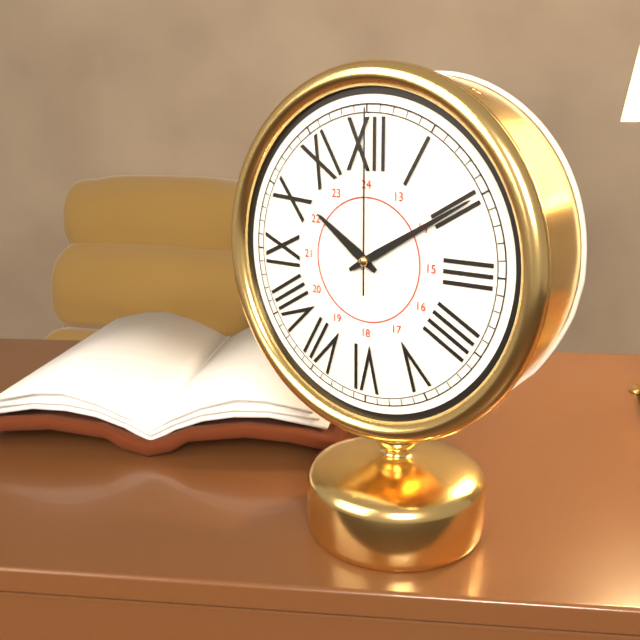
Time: **10:10:00**
